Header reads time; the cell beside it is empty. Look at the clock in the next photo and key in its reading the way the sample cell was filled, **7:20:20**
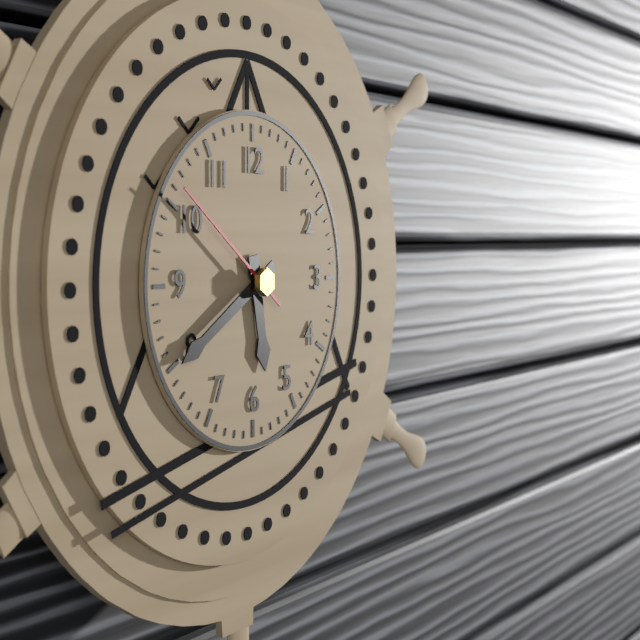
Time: **5:40:51**
